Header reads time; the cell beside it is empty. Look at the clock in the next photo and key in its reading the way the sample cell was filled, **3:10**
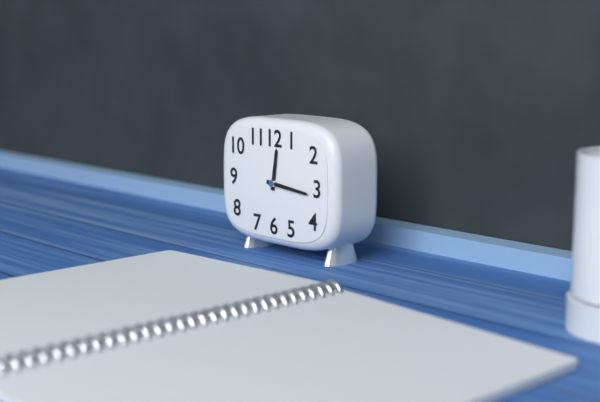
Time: **12:16**
